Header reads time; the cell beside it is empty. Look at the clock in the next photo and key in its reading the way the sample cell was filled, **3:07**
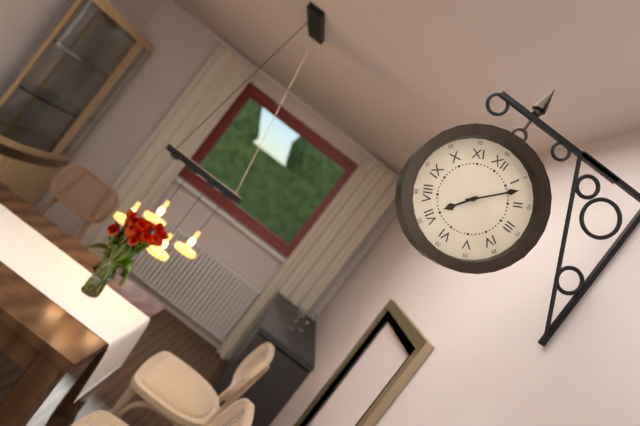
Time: **7:07**
